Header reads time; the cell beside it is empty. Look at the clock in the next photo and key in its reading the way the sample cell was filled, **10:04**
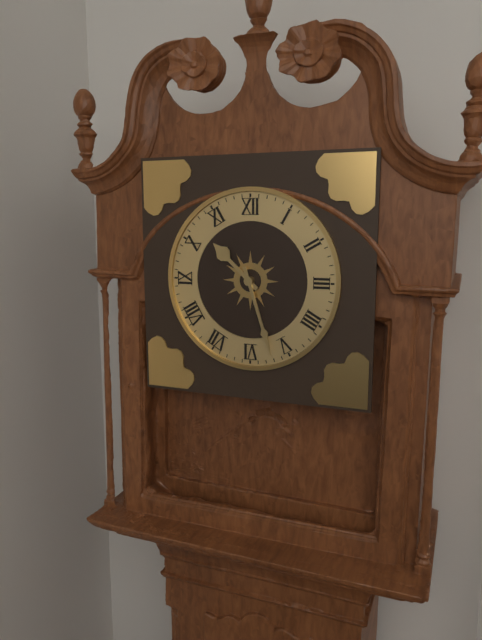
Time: **10:27**
